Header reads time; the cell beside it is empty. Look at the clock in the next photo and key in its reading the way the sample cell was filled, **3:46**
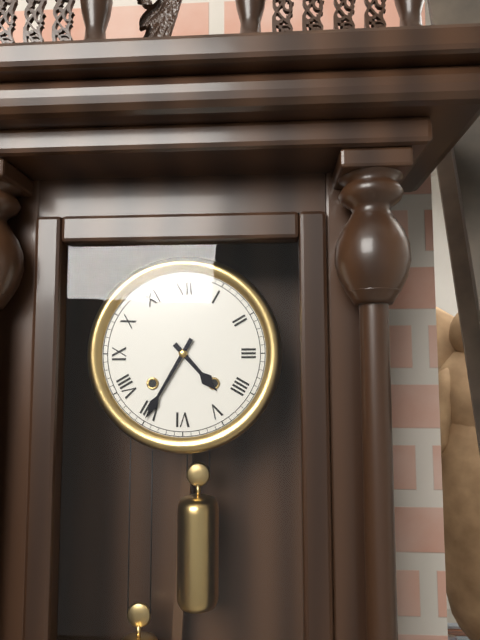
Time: **4:35**
